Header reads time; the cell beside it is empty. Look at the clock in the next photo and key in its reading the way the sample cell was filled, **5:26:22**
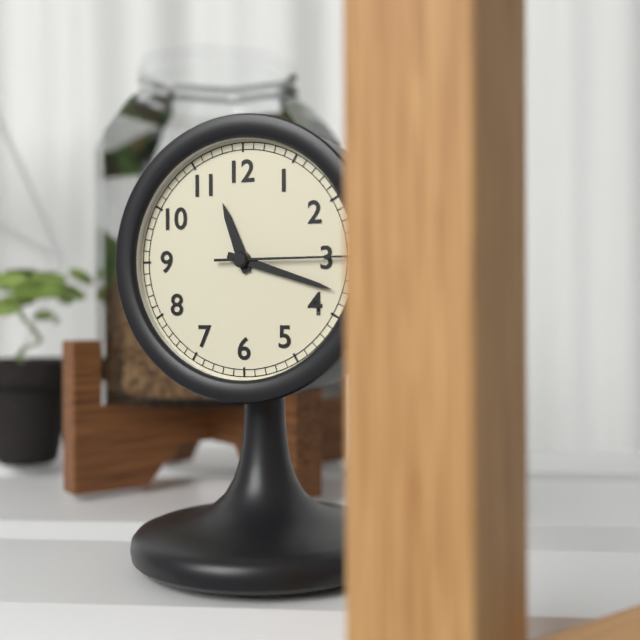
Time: **11:18:15**
